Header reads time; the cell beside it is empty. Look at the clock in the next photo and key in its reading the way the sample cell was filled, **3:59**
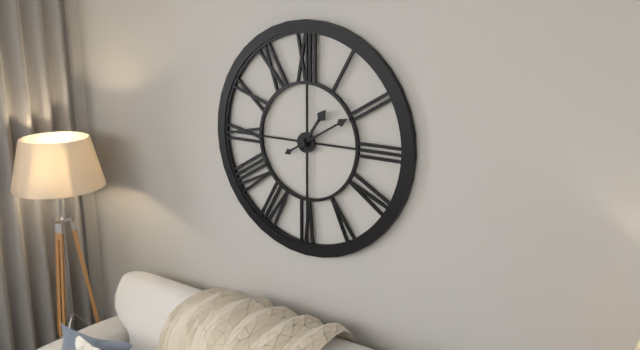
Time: **1:10**
